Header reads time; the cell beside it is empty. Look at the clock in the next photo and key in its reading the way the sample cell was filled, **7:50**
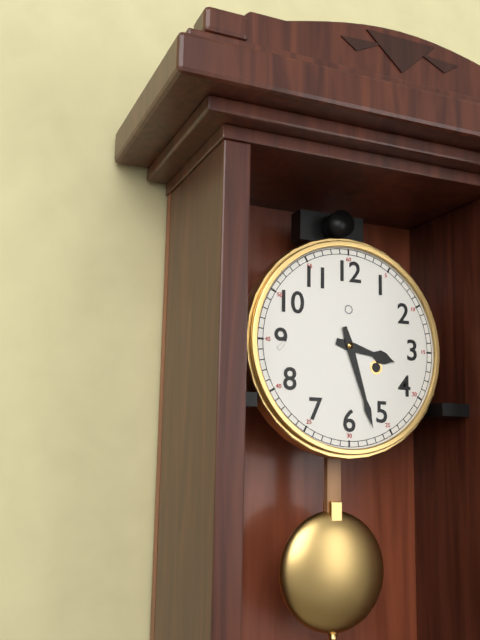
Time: **3:27**
